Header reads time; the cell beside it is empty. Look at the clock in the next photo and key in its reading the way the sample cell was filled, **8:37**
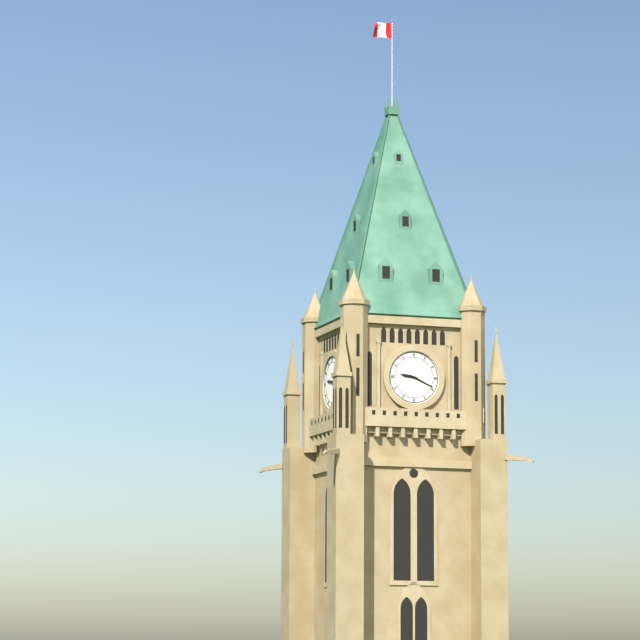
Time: **9:19**
